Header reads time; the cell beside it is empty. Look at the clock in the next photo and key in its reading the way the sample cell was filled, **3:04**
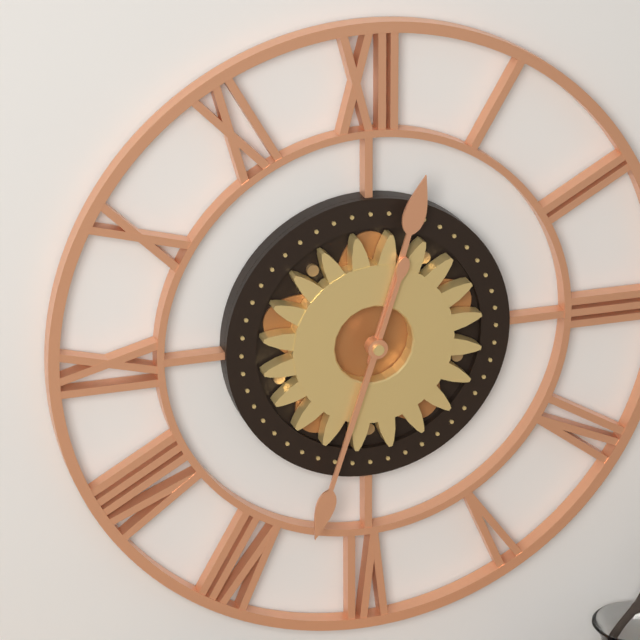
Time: **12:33**
